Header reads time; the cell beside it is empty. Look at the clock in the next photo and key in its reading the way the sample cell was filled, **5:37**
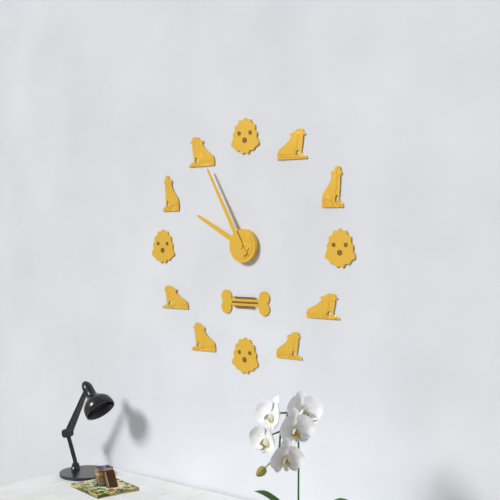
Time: **9:55**
